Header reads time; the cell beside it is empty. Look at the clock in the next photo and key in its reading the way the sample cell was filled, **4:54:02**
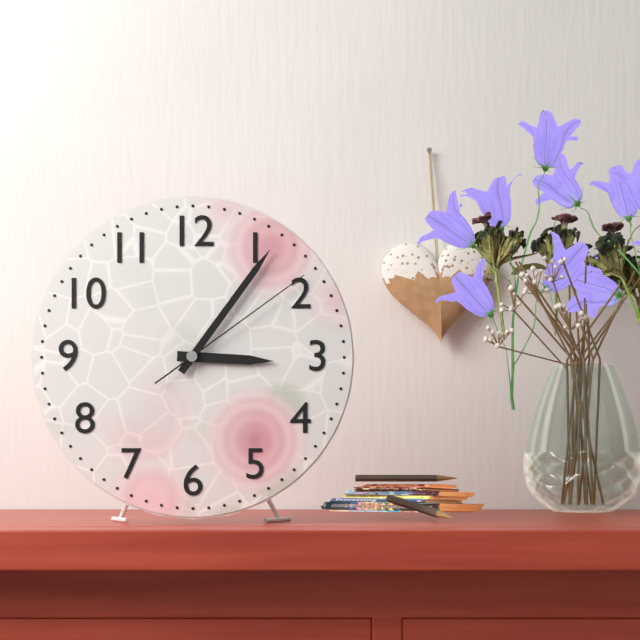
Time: **3:06:09**
